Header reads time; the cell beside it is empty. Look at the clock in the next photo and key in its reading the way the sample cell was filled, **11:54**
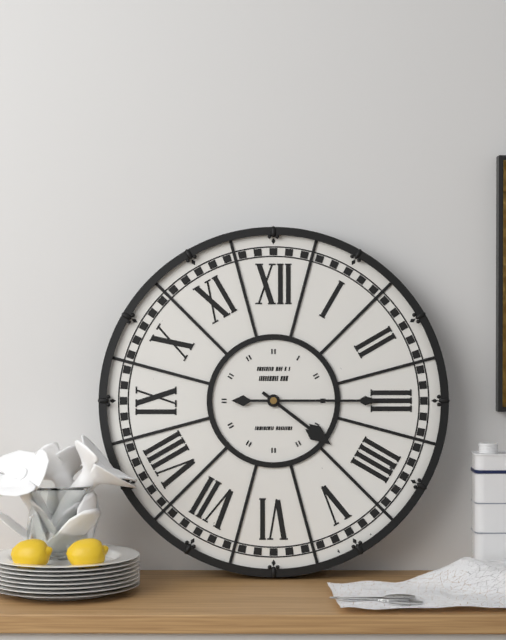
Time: **4:15**
